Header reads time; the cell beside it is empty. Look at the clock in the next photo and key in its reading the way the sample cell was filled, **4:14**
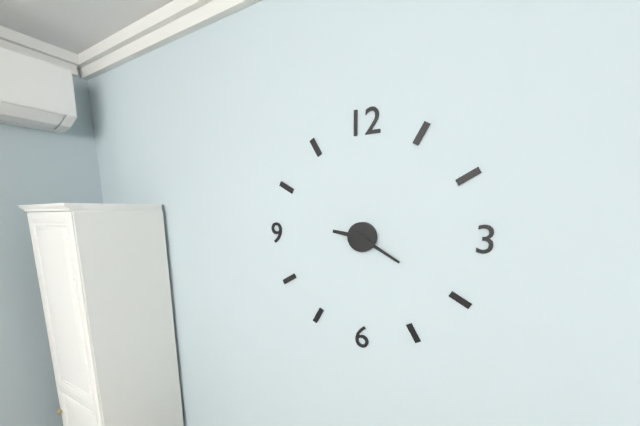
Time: **9:20**
